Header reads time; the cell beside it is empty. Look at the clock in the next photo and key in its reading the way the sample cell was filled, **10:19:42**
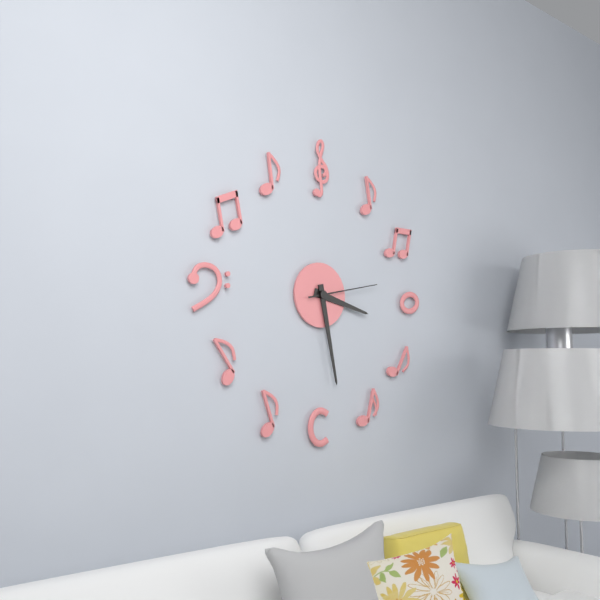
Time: **3:28:13**
